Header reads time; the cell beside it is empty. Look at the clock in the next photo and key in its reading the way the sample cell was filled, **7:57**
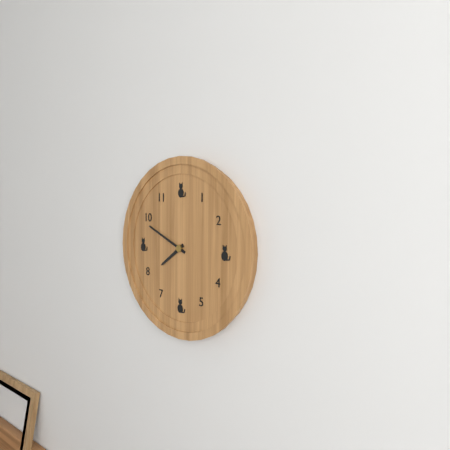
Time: **7:49**
